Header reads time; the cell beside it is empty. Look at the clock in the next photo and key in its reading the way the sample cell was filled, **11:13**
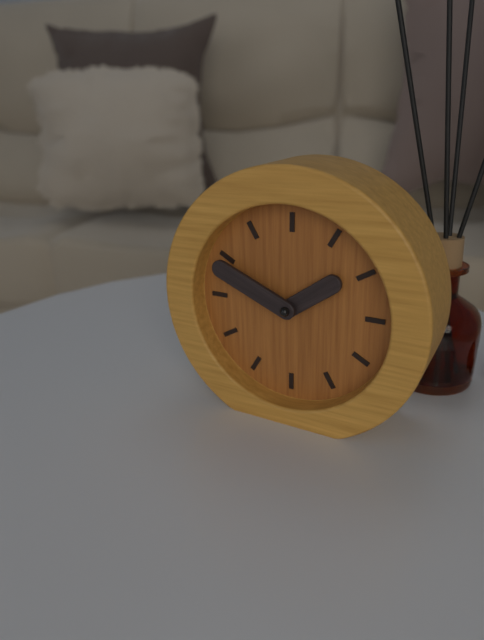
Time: **1:49**
